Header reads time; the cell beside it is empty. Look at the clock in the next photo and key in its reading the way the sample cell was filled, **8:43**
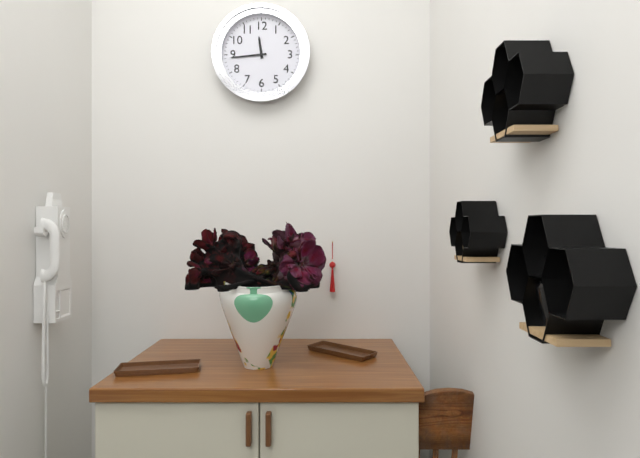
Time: **11:44**
